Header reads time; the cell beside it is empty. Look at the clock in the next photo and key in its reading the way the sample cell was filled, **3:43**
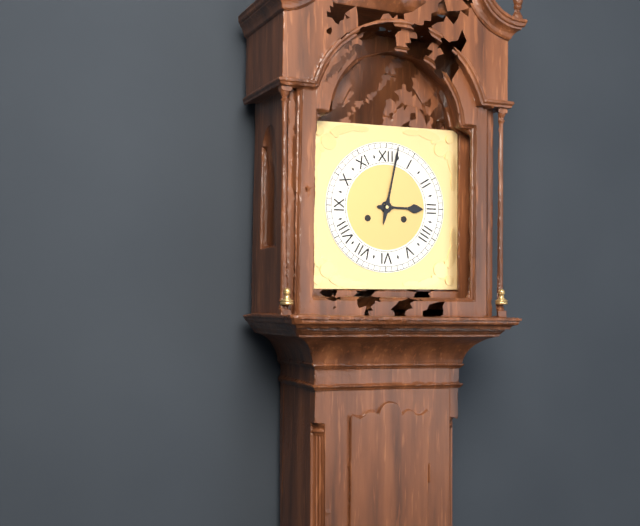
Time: **3:02**
